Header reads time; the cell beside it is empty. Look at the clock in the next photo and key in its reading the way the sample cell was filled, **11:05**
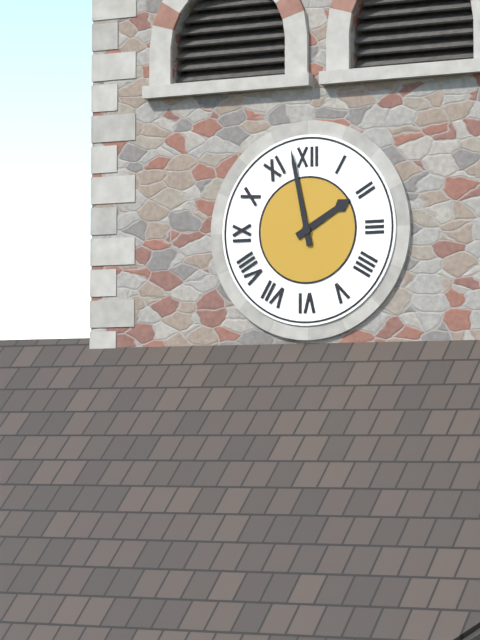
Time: **1:58**
